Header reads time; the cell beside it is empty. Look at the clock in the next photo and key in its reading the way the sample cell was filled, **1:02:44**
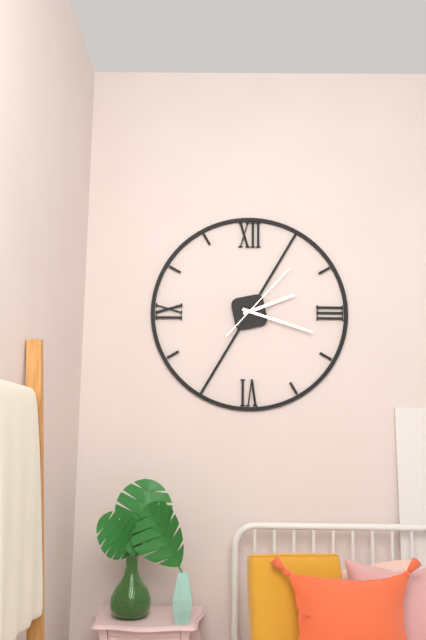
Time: **2:18:07**
